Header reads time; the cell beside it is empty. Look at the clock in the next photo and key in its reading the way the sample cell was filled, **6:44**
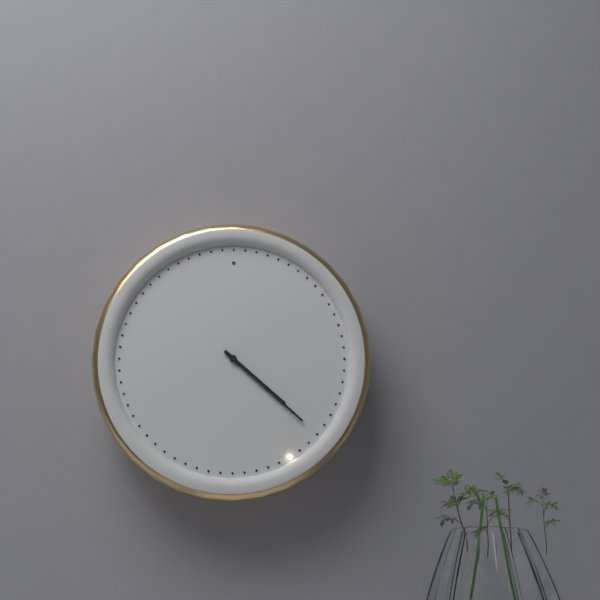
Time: **4:22**
